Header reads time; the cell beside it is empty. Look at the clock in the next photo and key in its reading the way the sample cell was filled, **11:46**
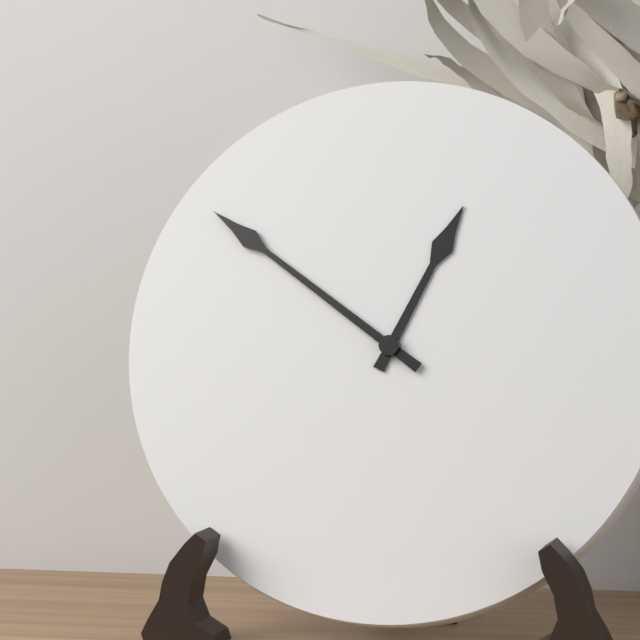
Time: **12:51**
